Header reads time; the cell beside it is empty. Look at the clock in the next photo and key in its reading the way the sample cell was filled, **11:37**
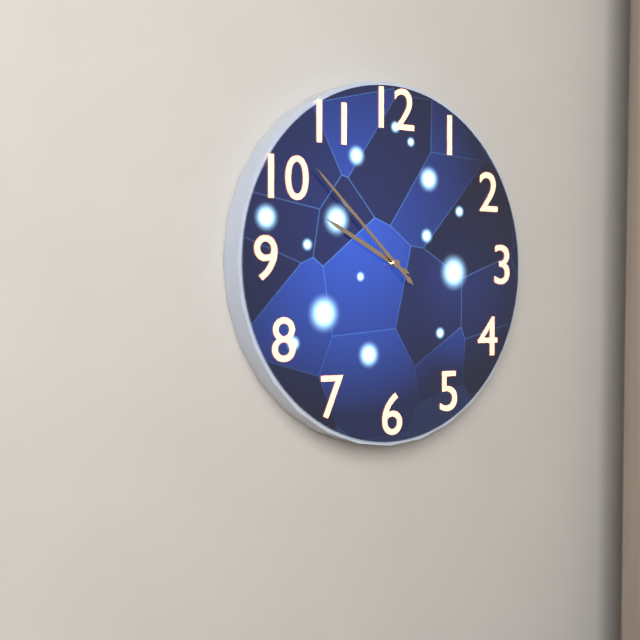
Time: **9:52**
